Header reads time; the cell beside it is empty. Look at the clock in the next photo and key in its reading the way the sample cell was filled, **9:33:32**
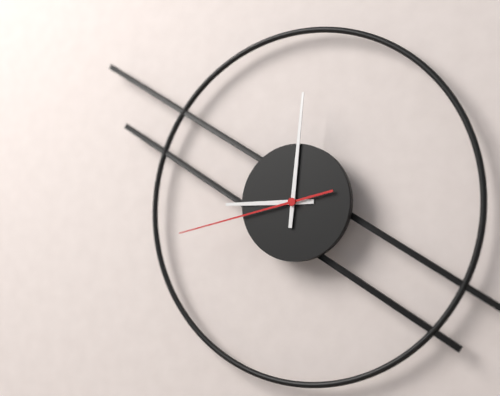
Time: **9:01:43**
